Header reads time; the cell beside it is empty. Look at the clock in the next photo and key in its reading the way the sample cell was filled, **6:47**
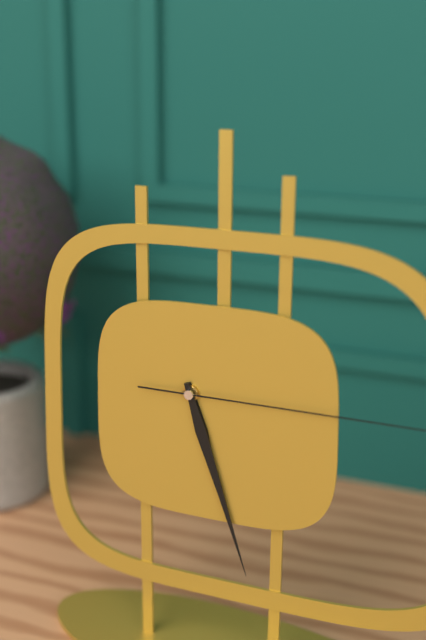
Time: **5:27**
